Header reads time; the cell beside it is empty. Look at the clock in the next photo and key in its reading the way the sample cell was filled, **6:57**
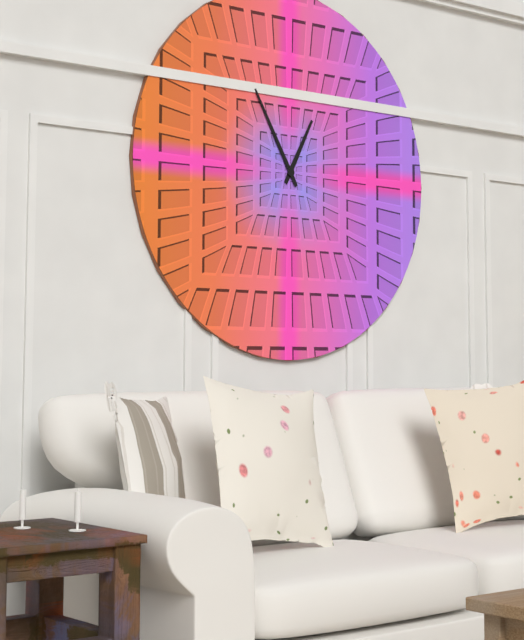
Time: **12:55**
